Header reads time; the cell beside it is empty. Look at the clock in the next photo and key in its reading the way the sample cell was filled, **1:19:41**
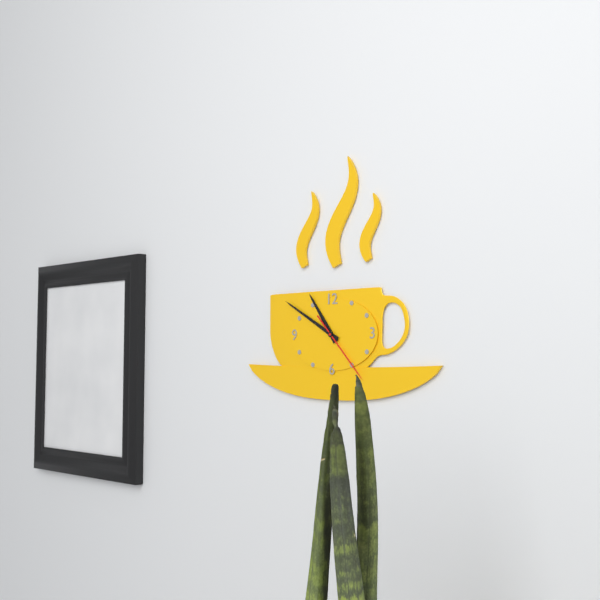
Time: **10:50:23**
